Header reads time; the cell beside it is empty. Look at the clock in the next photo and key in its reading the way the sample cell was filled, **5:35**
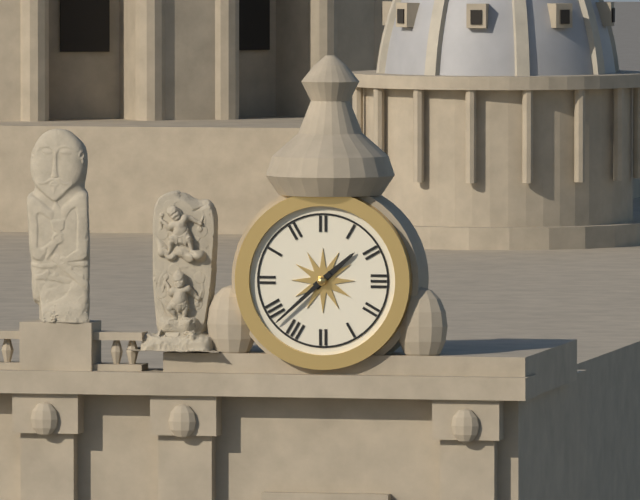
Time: **1:38**
